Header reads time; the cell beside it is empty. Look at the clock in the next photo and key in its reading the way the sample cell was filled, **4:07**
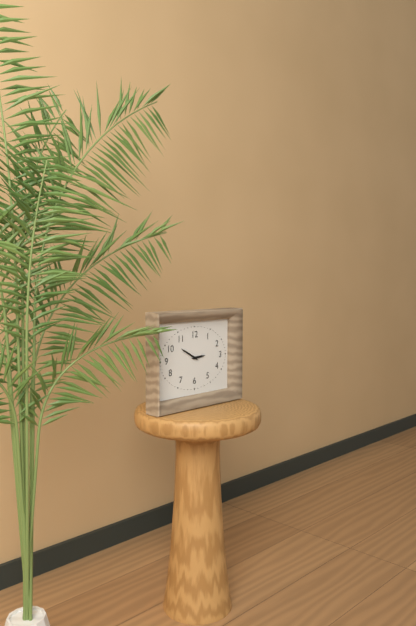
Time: **2:50**
